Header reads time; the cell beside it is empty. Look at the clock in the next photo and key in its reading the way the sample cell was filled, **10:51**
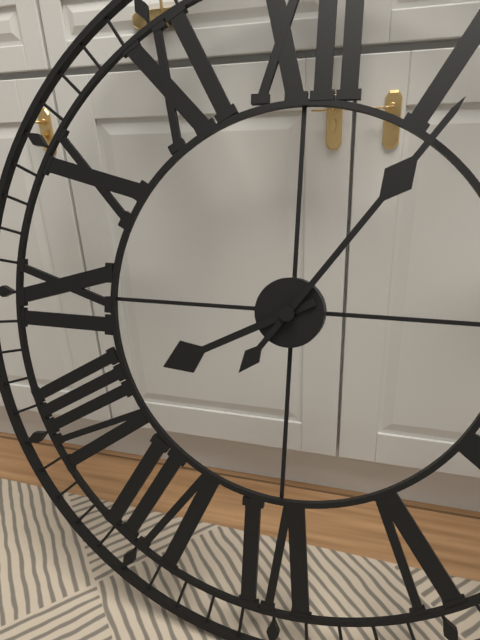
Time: **8:06**
